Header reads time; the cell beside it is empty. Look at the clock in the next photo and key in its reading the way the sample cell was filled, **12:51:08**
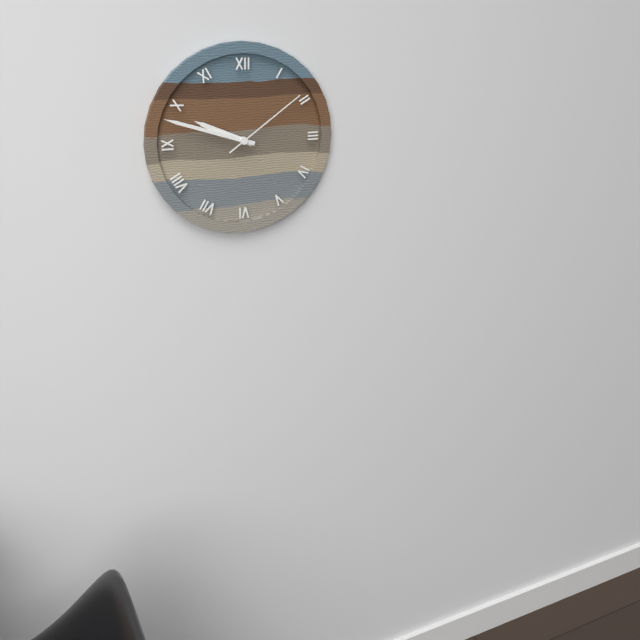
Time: **9:48:09**
